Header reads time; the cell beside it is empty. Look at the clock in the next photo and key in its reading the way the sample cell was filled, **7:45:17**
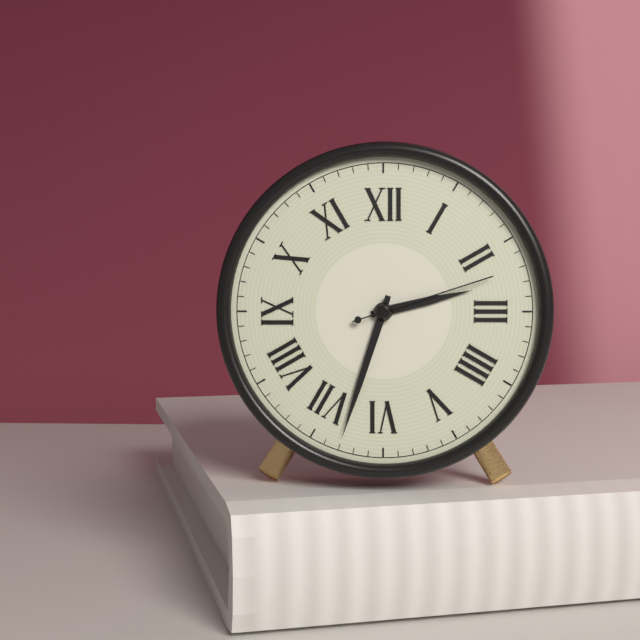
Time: **2:33:12**
